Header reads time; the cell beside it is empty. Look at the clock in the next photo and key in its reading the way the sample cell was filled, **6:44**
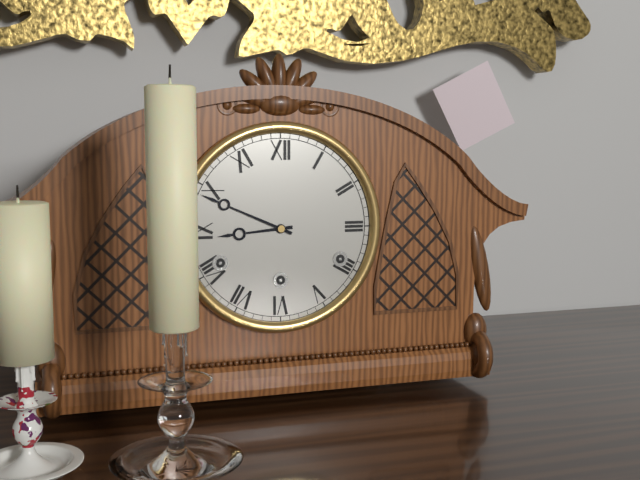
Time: **8:49**
